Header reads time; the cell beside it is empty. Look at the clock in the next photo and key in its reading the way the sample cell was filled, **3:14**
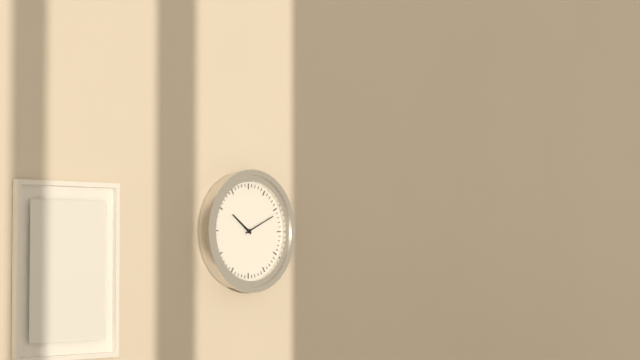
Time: **10:11**
